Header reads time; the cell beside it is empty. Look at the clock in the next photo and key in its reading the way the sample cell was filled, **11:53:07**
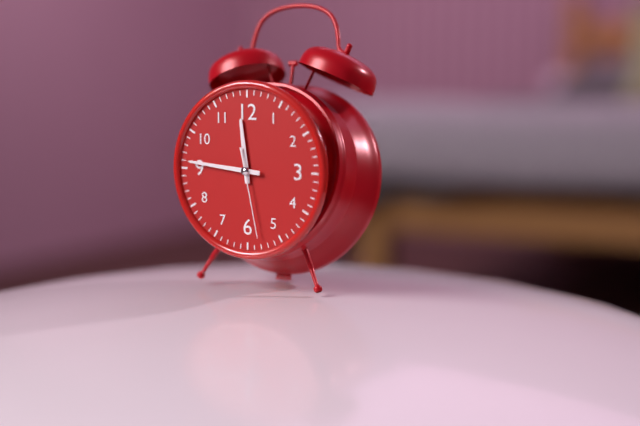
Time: **11:46:28**
